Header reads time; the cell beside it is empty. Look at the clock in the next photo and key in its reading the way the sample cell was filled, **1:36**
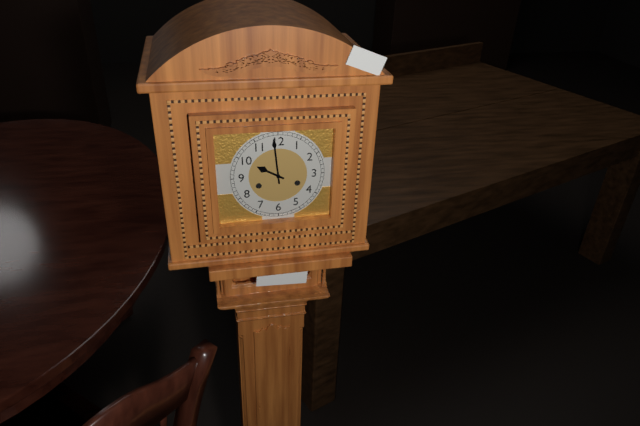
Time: **9:59**
